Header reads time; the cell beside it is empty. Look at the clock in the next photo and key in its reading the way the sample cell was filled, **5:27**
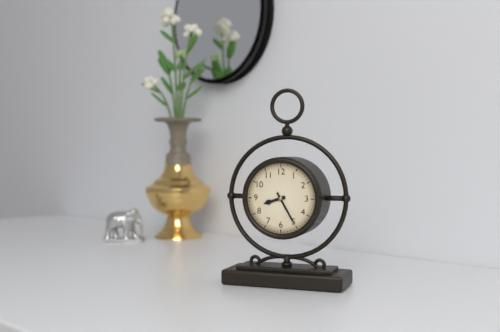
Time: **8:25**
